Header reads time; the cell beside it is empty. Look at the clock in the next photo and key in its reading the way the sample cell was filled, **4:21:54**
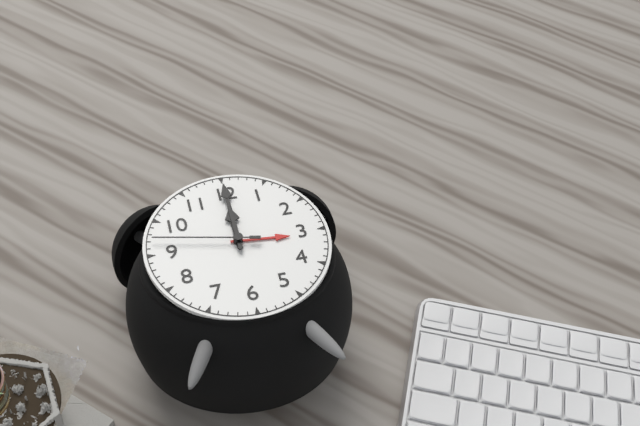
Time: **12:00:47**
